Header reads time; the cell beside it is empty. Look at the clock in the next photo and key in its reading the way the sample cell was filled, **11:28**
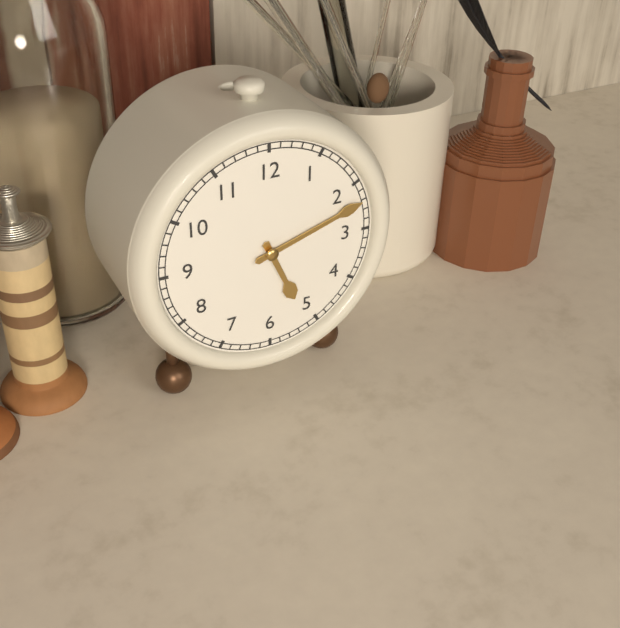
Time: **5:12**
